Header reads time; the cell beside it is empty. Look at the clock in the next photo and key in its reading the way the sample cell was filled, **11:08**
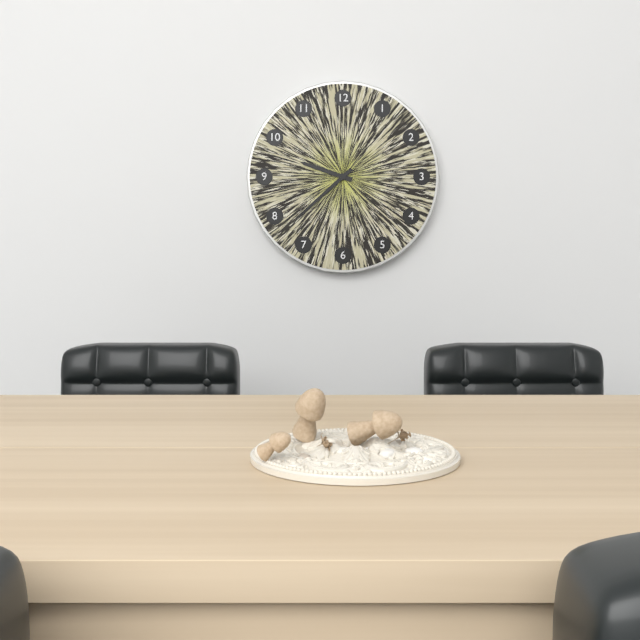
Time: **9:38**
